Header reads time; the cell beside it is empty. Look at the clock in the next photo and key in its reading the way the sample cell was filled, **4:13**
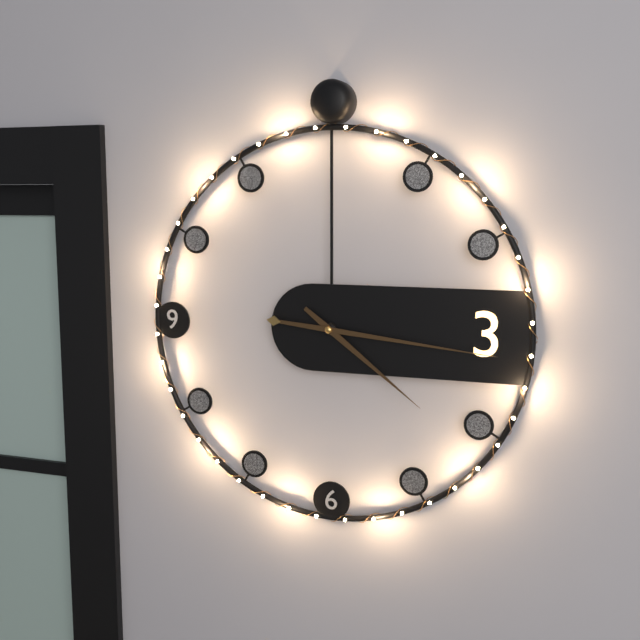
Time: **4:16**
